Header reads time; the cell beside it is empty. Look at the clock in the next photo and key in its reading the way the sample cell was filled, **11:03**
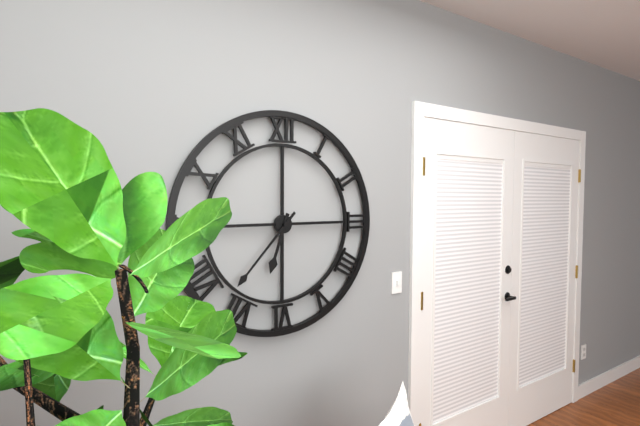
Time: **6:37**
